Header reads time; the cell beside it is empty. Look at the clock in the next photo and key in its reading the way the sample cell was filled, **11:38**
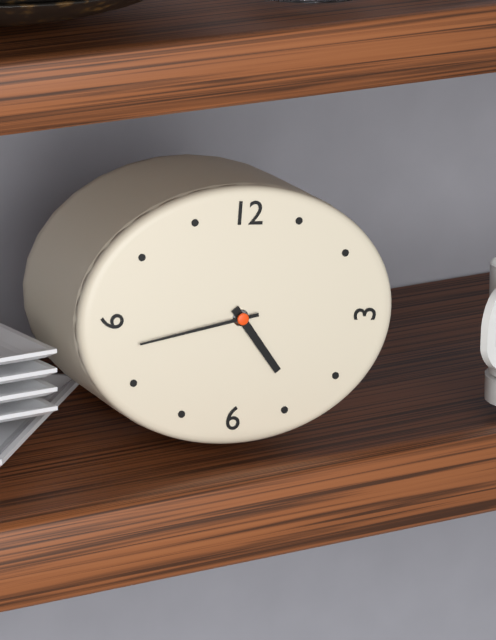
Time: **4:43**
